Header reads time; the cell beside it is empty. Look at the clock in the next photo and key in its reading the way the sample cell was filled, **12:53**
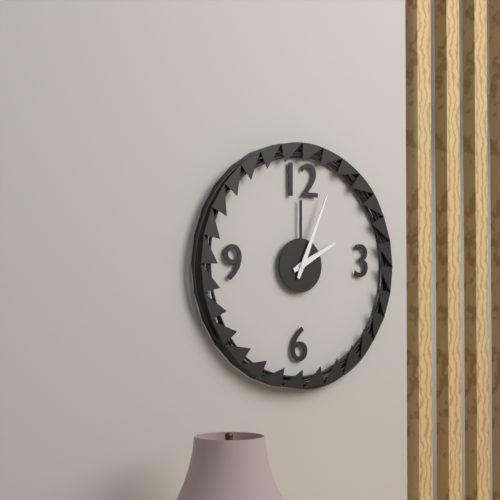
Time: **2:04**
